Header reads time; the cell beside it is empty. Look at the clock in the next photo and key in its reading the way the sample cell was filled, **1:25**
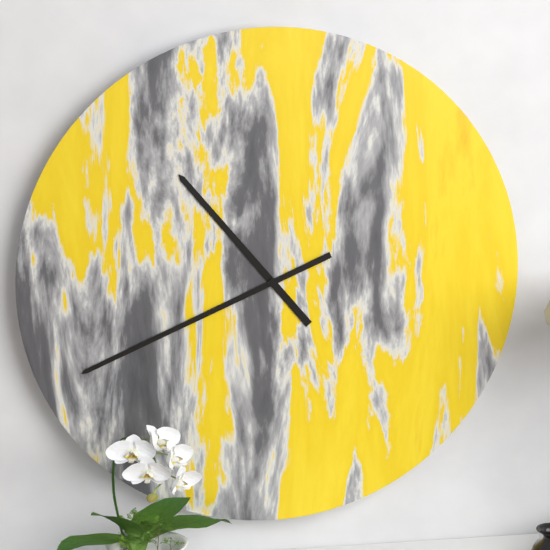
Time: **10:41**
